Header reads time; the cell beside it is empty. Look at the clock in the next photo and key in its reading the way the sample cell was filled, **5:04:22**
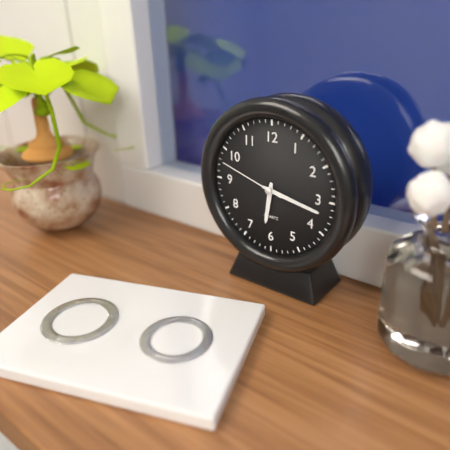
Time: **6:17:48**
